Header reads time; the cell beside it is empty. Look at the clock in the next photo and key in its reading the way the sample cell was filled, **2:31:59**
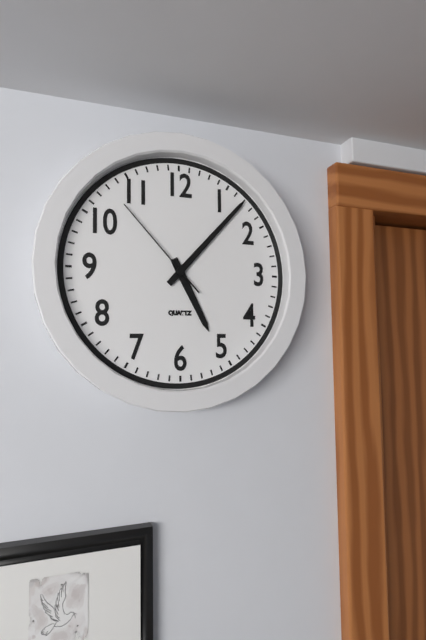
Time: **5:07:53**
